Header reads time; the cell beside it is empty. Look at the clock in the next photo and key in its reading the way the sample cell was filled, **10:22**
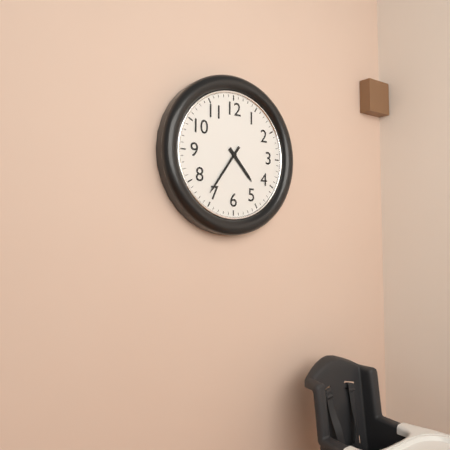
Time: **4:36**
